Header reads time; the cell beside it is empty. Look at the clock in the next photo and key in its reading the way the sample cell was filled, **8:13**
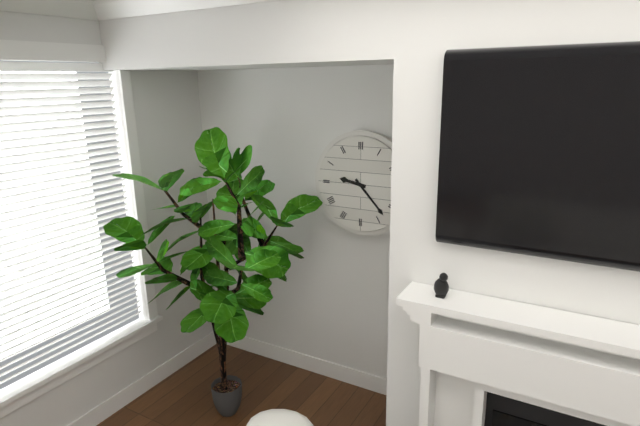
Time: **9:23**
